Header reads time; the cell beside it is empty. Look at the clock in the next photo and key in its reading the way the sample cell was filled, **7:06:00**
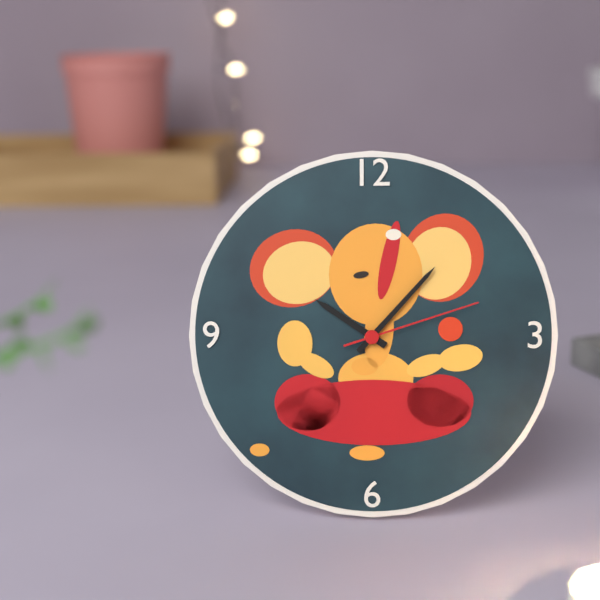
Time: **10:07:12**
